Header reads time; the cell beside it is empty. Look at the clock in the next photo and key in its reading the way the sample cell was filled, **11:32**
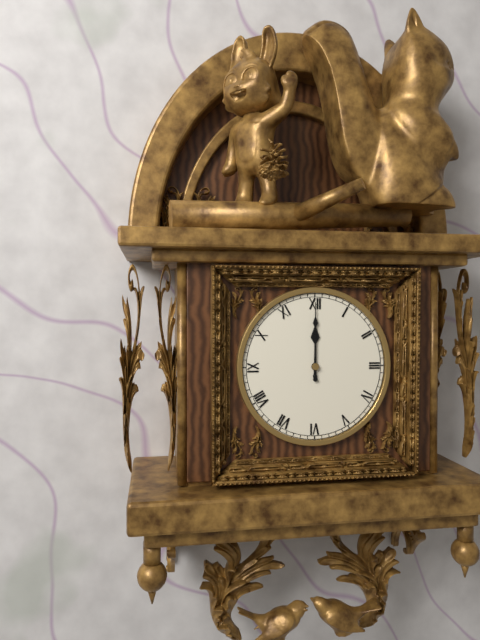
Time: **12:00**
